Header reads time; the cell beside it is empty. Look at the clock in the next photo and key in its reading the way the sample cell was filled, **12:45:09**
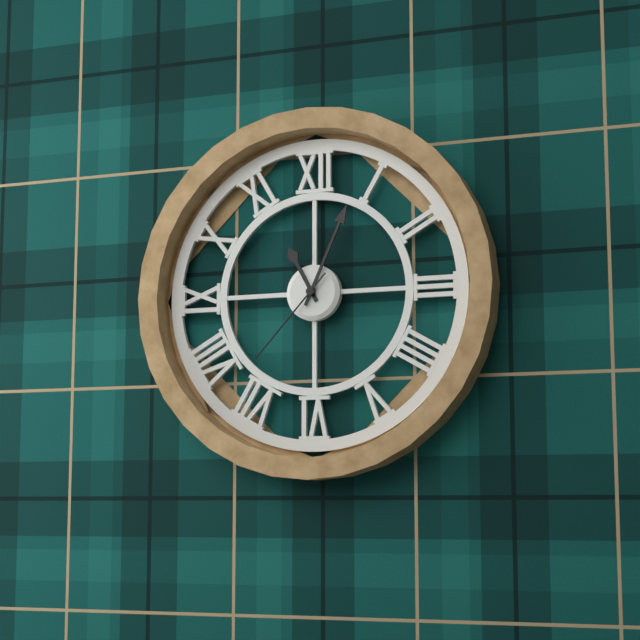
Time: **11:04:37**
